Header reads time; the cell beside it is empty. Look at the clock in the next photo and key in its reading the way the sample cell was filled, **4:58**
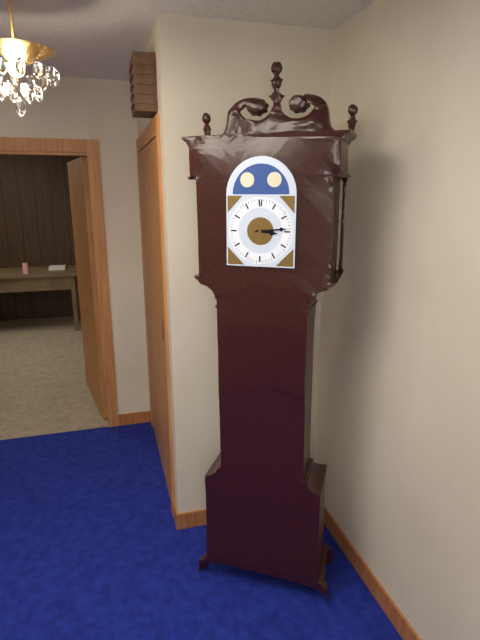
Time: **3:14**
